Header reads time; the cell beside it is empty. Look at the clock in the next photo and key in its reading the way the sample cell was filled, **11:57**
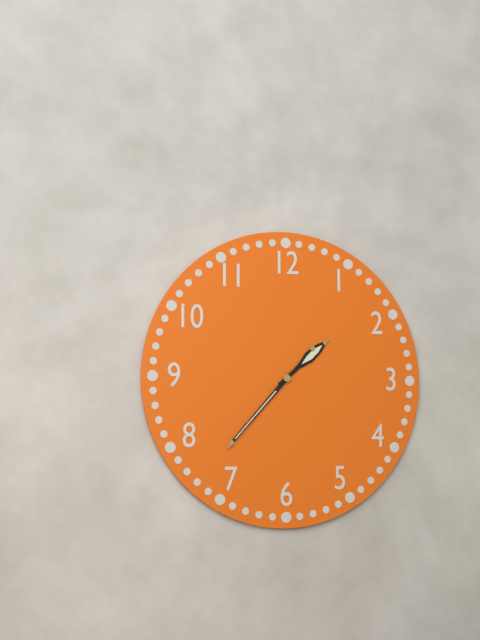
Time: **1:37**
